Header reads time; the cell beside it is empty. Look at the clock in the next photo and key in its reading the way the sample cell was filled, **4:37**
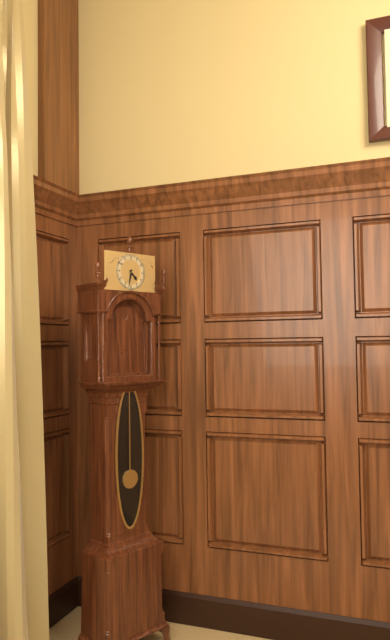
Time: **4:32**
